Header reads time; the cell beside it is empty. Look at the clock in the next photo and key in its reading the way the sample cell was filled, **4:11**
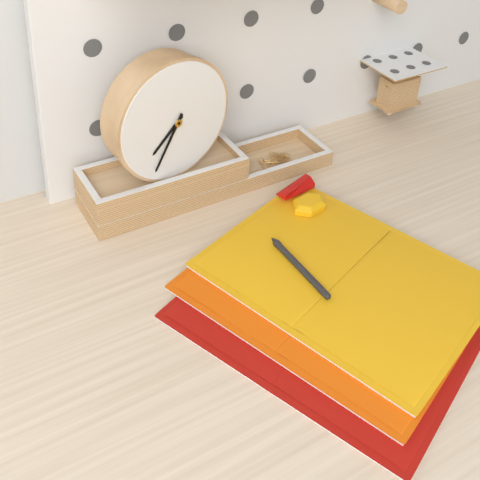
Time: **7:35**
